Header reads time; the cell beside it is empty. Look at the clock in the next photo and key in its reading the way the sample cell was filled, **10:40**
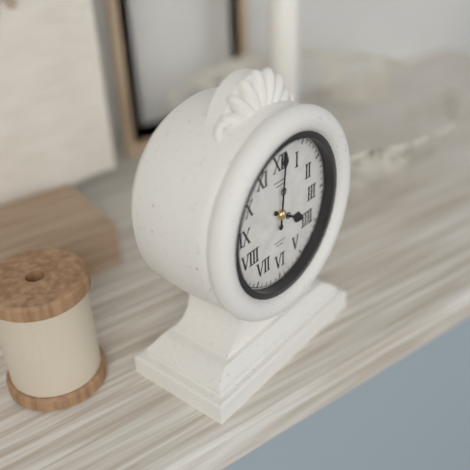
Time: **4:01**
